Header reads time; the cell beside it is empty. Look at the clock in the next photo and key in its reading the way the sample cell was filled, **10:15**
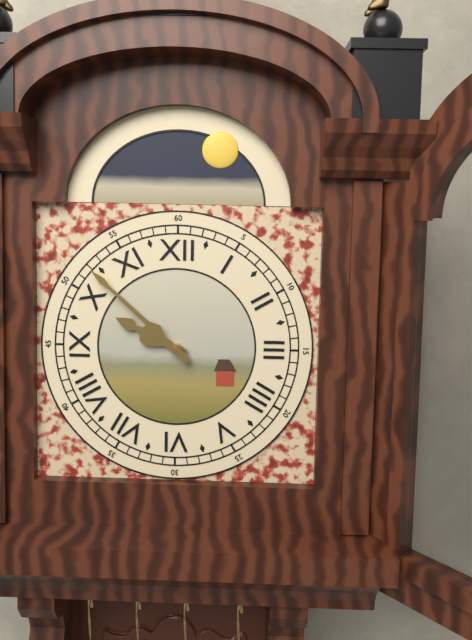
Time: **9:52**
